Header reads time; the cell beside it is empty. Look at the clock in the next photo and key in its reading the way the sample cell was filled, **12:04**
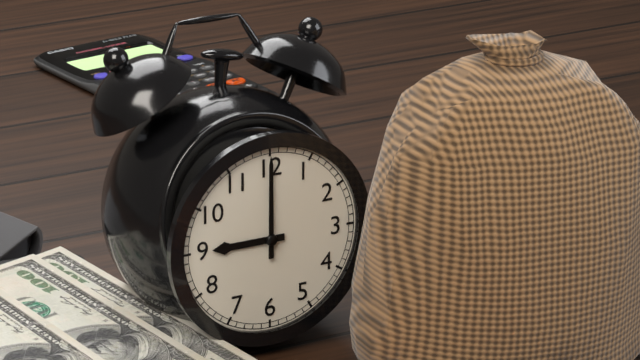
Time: **9:00**
